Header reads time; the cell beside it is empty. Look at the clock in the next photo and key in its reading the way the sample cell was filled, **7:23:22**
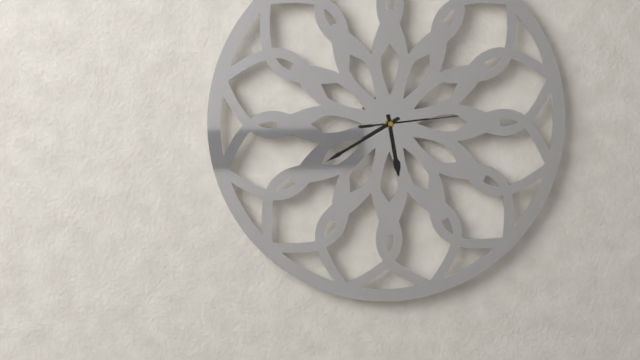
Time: **5:40:14**
